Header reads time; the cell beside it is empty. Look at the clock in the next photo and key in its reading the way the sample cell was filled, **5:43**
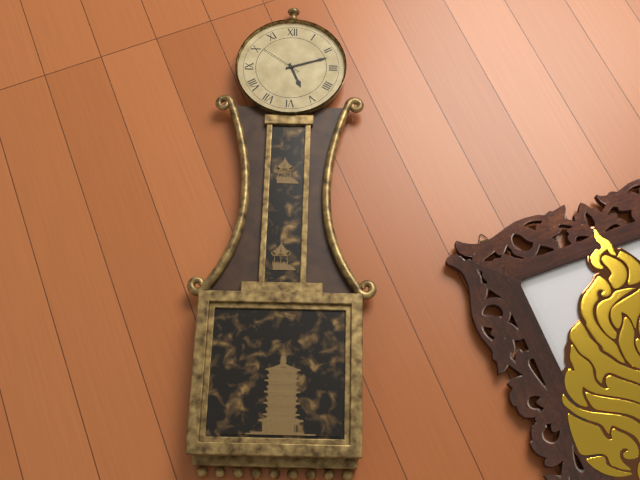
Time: **5:12**
